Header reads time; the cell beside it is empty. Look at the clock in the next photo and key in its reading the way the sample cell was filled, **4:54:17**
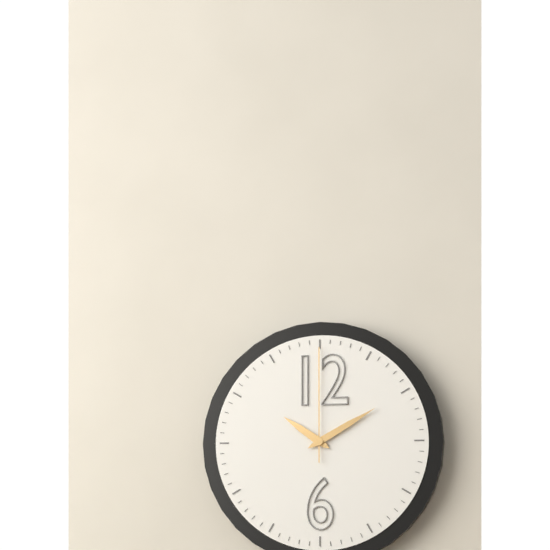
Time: **10:10:00**
